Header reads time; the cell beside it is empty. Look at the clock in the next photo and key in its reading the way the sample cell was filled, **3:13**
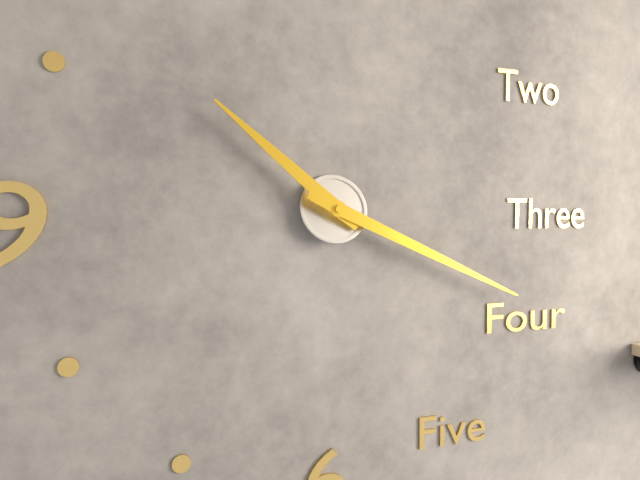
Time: **10:19**
